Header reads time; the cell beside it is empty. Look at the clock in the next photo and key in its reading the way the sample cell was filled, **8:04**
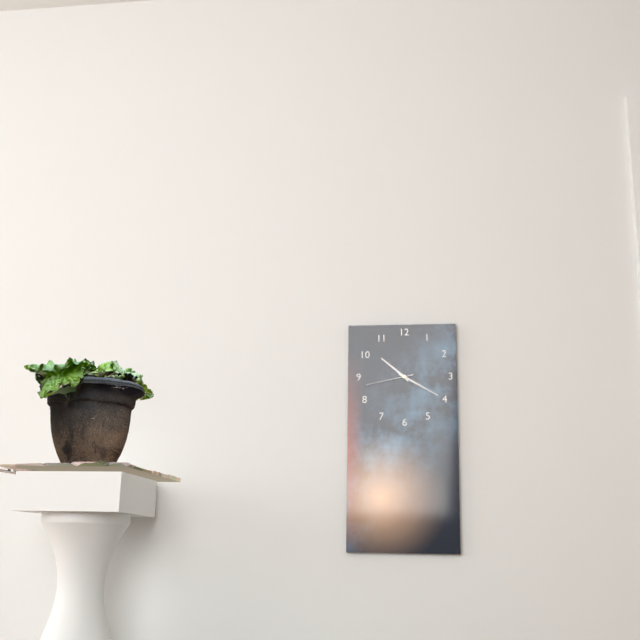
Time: **10:20**
